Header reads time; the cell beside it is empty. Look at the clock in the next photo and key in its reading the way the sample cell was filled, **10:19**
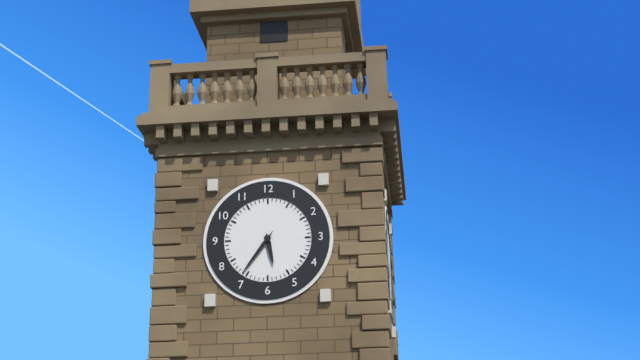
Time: **5:36**
